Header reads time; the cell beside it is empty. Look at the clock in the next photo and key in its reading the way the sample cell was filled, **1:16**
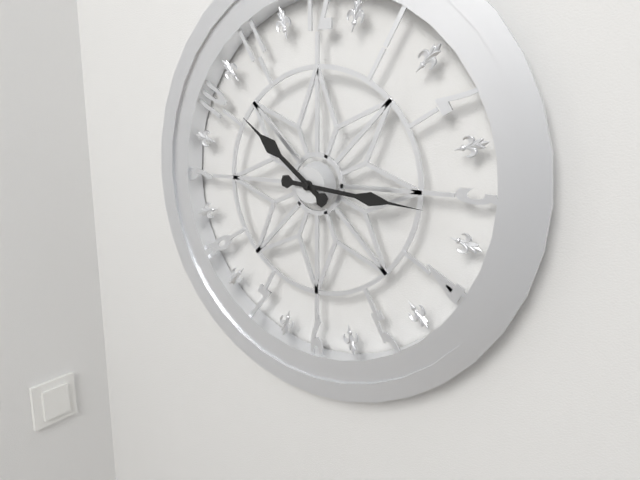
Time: **10:16**
